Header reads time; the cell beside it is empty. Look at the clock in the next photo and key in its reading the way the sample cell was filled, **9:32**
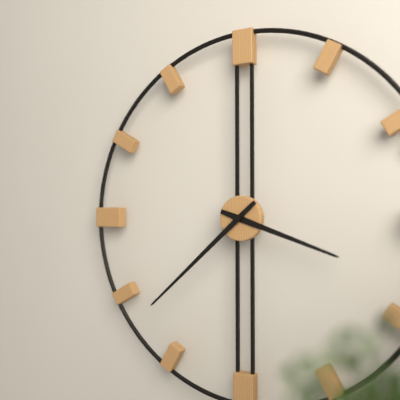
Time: **3:38**
